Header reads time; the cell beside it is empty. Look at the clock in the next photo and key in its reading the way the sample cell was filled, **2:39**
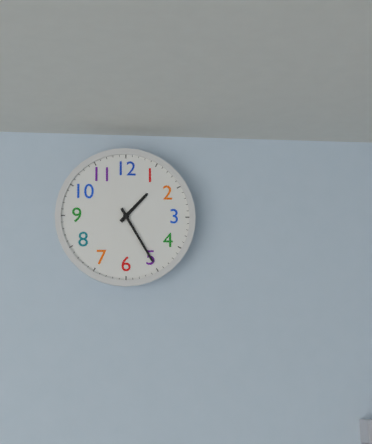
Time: **1:25**
